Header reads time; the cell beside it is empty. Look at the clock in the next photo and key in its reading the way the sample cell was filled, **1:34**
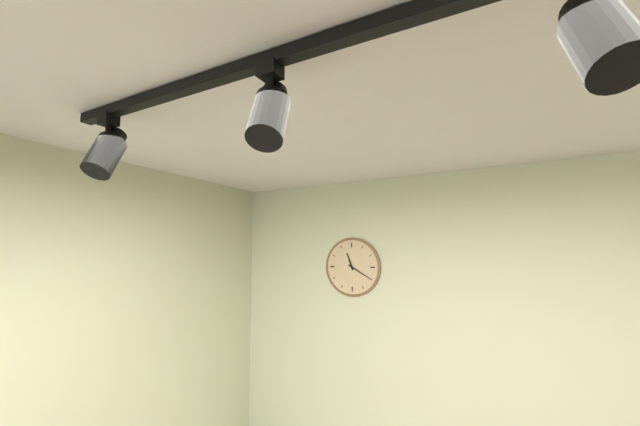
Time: **11:20**
